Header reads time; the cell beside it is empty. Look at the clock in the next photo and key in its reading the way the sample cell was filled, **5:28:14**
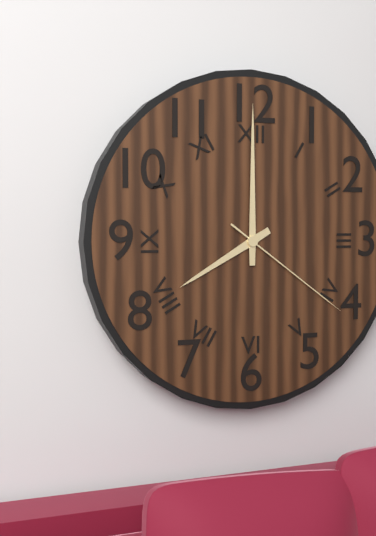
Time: **8:00:21**
